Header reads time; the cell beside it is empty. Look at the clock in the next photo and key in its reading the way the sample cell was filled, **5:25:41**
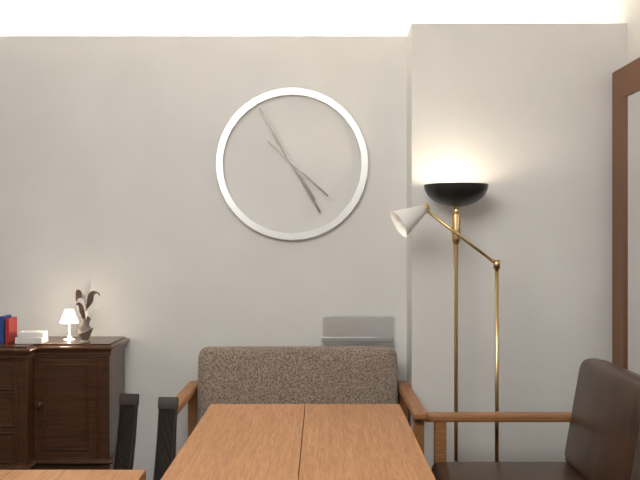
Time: **4:55:22**
